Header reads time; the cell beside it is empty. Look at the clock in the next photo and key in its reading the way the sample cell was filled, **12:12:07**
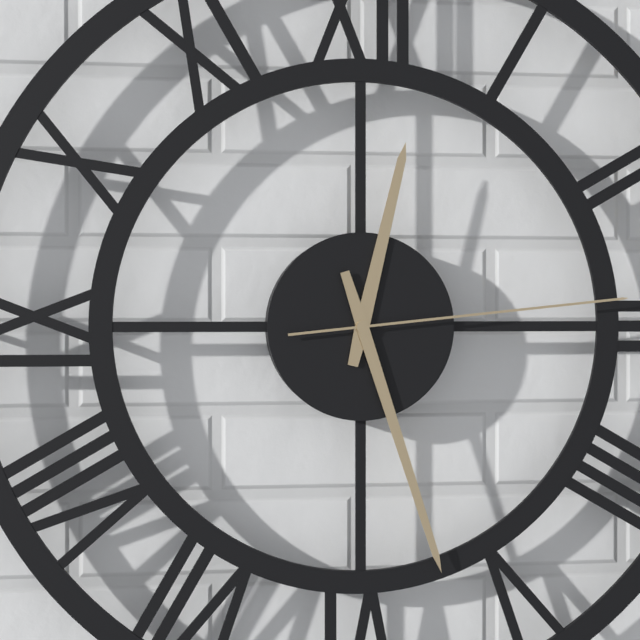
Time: **12:27:14**
